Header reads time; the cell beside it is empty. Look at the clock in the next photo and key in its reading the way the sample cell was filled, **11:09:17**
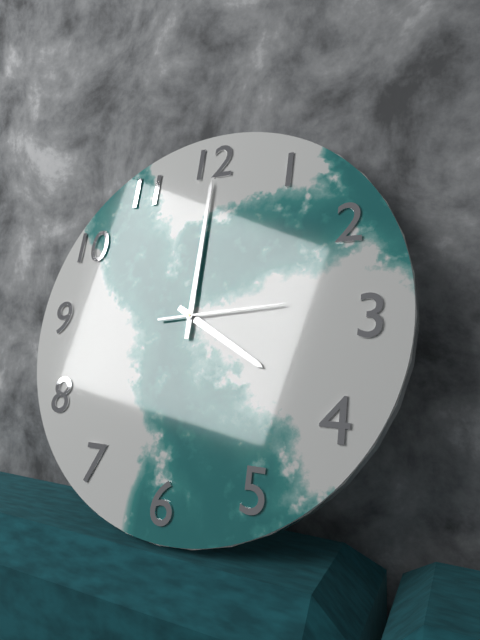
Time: **4:00:14**
